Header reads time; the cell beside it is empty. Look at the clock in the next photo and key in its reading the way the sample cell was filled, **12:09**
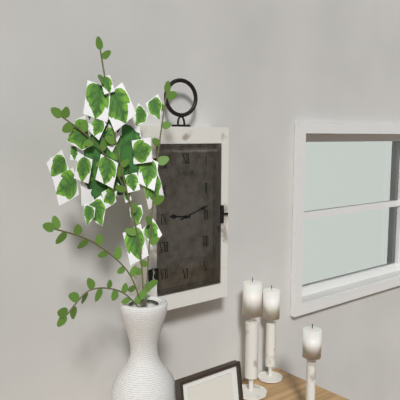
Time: **9:12**
